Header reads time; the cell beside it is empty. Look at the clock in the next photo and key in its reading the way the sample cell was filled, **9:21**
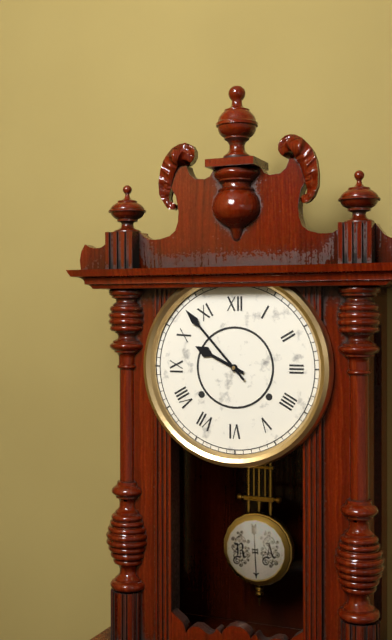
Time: **9:53**
